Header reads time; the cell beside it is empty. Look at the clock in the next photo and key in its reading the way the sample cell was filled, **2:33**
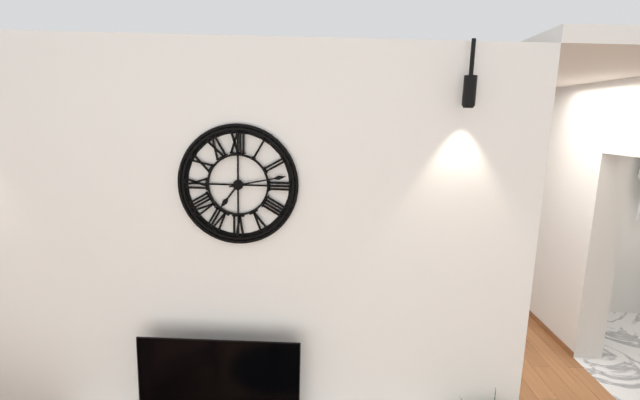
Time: **7:13**
